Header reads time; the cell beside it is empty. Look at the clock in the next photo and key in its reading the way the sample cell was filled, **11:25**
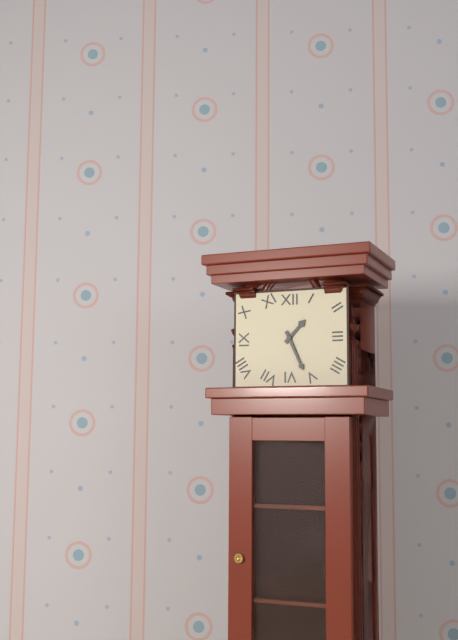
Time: **1:26**
